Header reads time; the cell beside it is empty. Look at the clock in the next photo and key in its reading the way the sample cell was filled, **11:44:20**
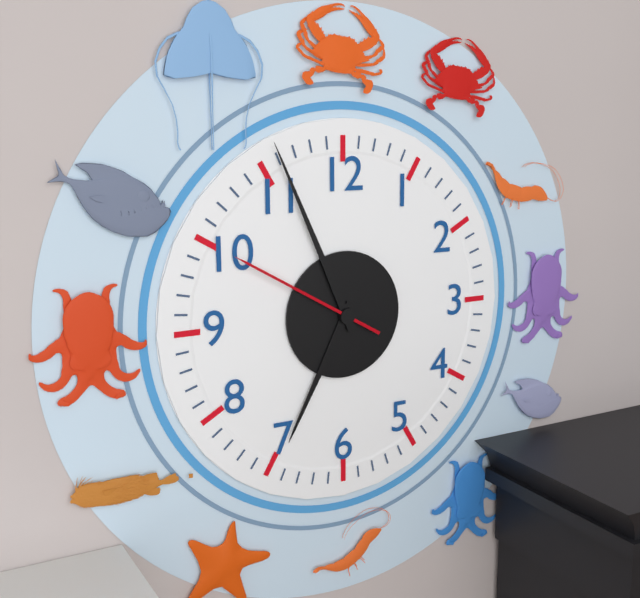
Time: **6:56:50**
